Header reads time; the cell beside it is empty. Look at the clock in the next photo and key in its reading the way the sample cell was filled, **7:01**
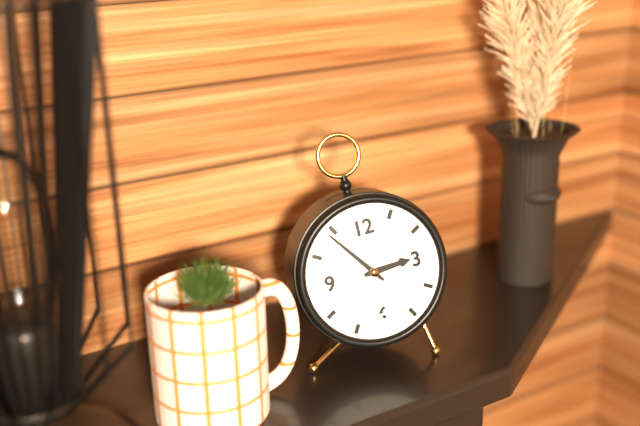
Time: **2:54**
